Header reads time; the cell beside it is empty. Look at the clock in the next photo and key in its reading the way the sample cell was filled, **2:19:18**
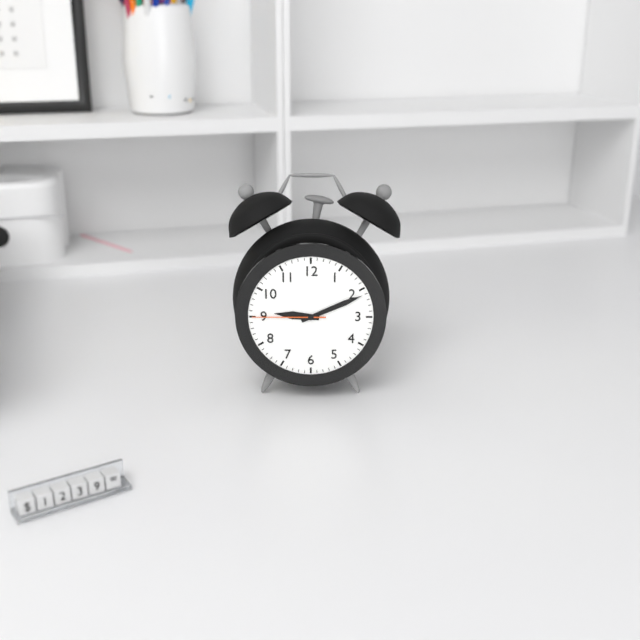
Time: **9:11:45**
